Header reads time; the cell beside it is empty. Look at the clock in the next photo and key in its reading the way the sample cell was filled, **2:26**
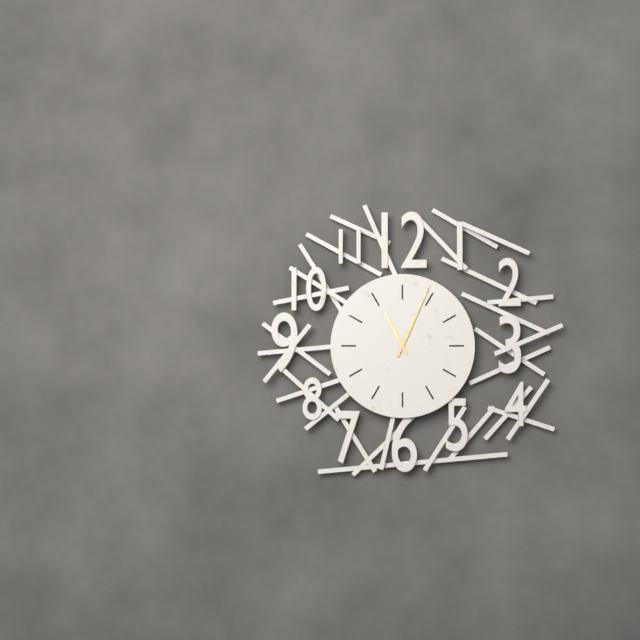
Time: **11:04**
